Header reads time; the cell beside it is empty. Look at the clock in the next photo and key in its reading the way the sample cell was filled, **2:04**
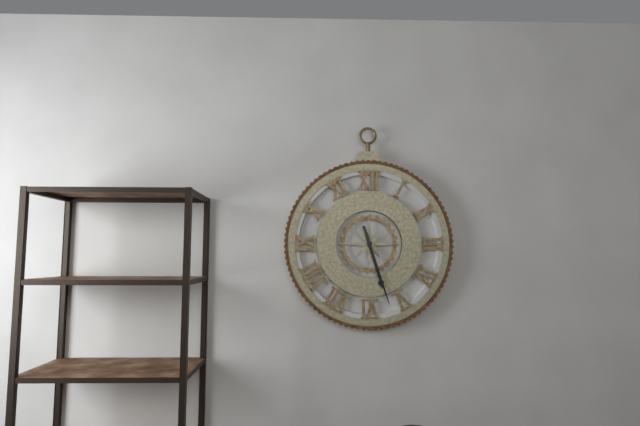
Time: **5:27**
